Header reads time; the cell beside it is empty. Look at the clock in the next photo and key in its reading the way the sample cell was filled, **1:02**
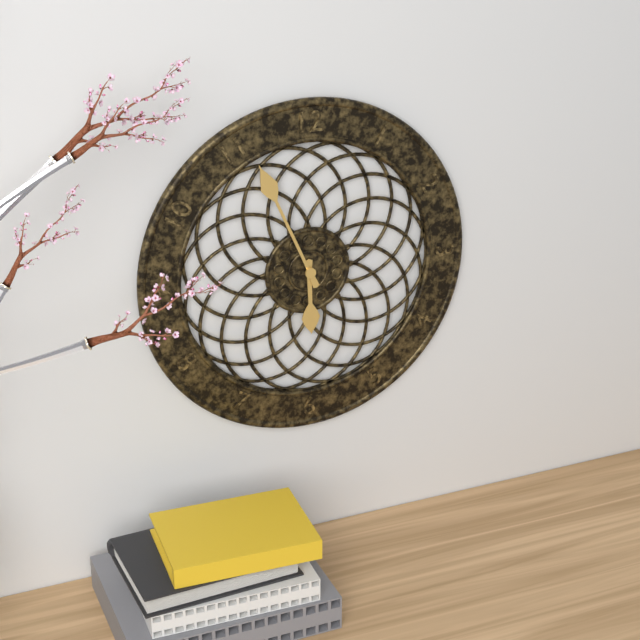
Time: **5:56**
